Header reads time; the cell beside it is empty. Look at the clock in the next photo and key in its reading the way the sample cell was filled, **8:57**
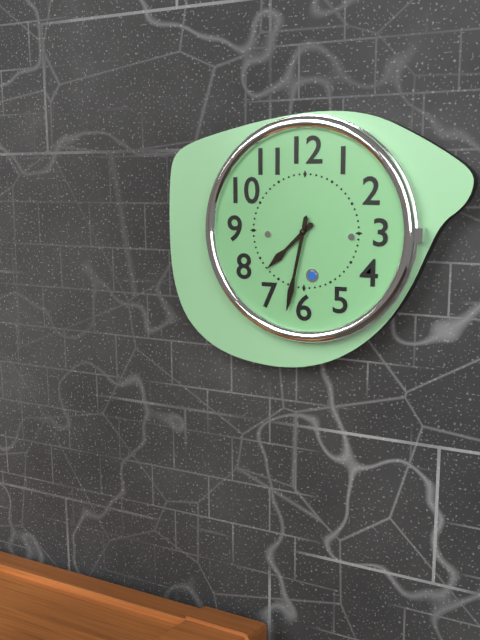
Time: **7:32**
